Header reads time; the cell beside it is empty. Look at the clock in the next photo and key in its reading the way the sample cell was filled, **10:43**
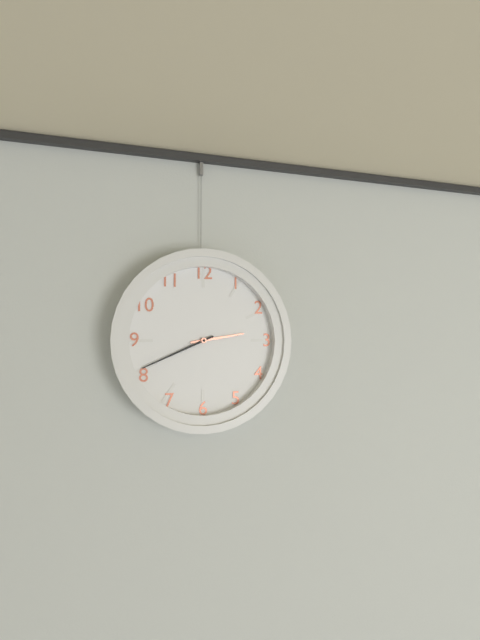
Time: **2:41**
